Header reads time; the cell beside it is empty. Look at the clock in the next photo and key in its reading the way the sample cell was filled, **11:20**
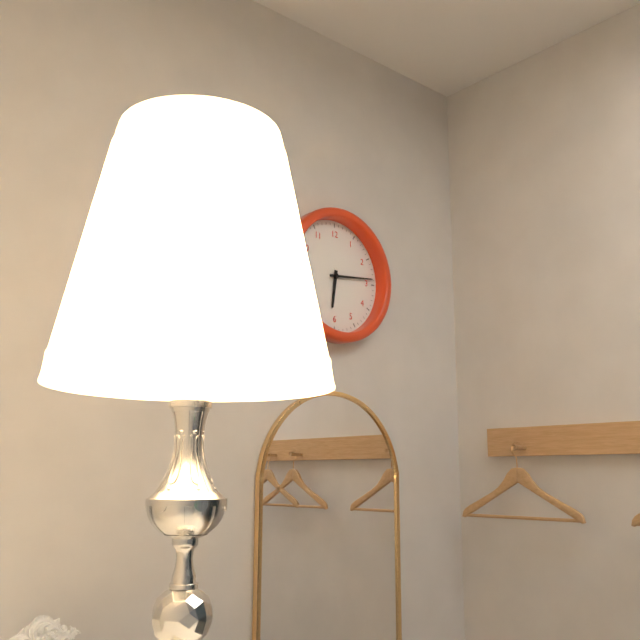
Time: **6:14**
